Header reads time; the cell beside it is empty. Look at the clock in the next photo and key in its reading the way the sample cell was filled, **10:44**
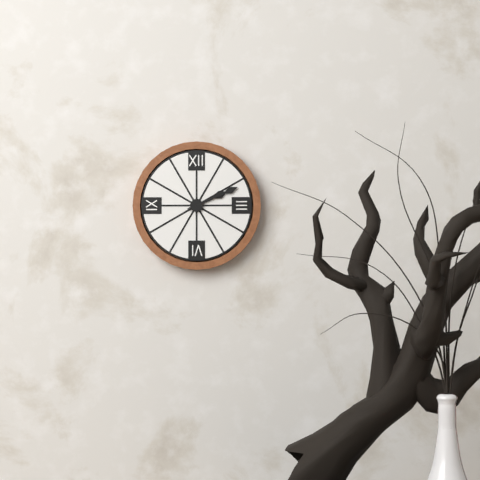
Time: **2:11**
